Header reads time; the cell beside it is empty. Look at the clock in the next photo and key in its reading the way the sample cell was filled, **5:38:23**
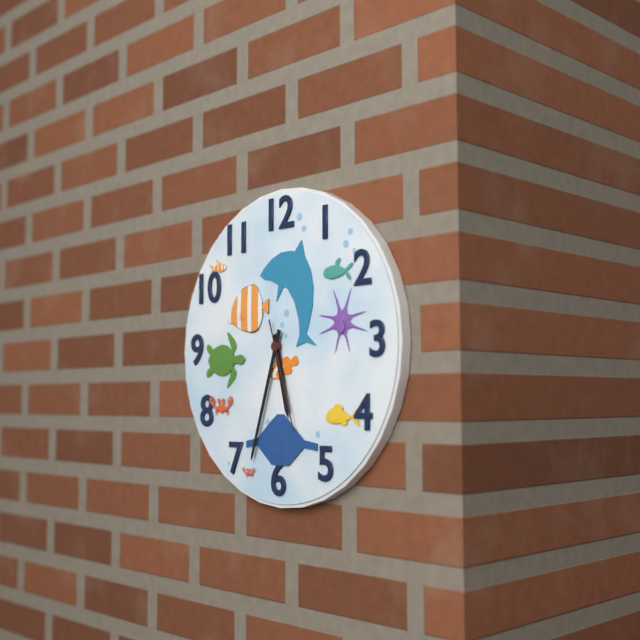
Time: **5:33:27**
